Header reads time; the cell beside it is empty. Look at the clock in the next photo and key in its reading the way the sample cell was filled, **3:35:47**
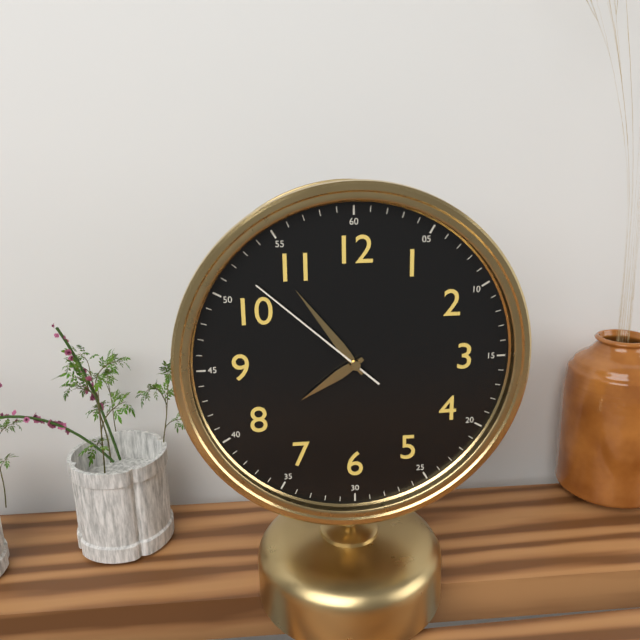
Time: **7:54:52**
